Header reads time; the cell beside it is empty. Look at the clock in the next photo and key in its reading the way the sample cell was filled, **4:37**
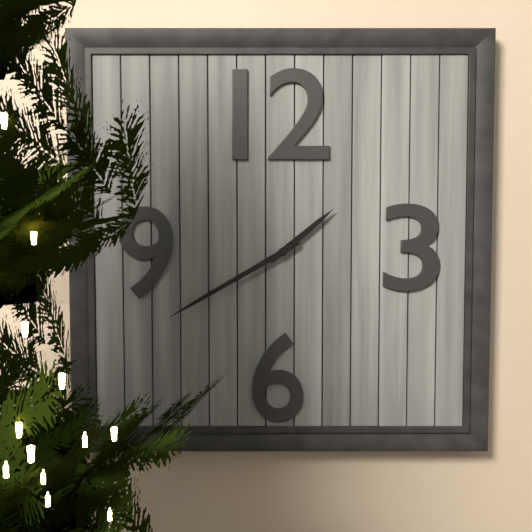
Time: **1:40**
